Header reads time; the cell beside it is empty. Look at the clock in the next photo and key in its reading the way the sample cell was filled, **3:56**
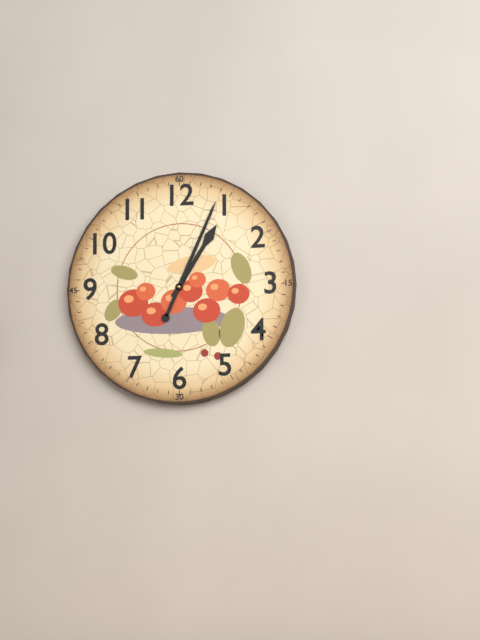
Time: **1:04**
